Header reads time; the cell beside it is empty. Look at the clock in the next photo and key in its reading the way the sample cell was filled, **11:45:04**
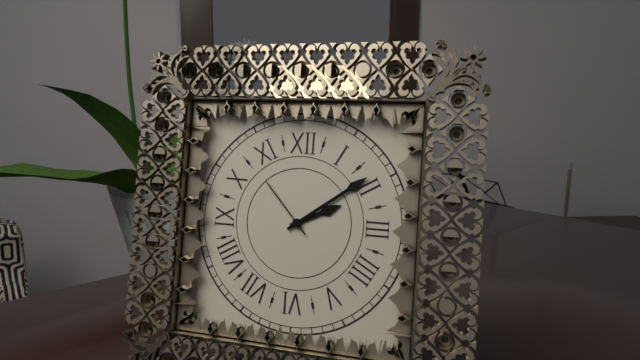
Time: **2:09:53**
